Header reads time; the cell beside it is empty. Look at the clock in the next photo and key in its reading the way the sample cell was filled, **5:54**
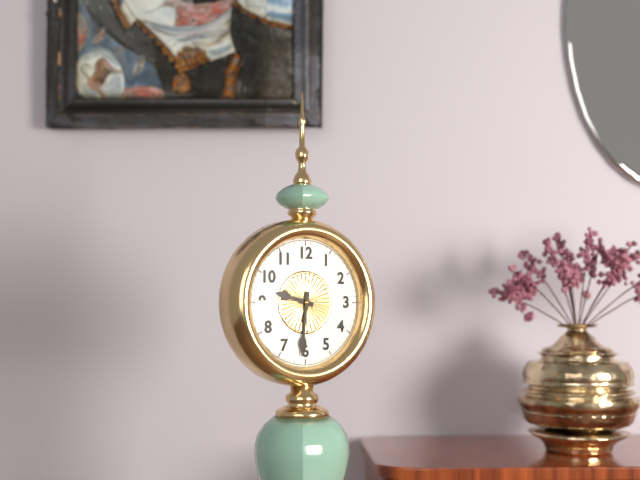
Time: **9:31**
